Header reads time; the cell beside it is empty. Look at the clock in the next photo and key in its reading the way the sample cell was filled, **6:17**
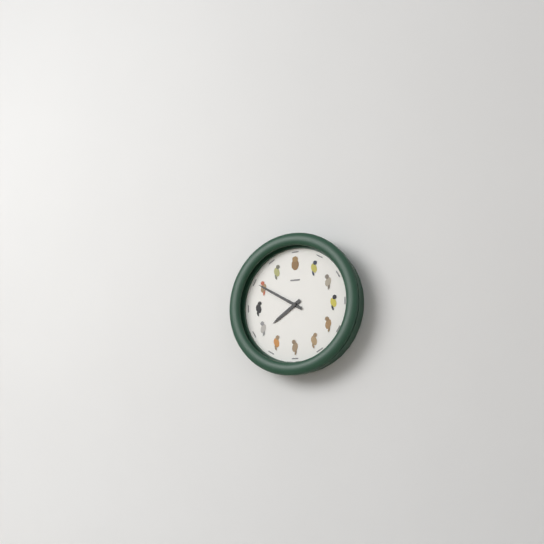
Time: **7:50**
